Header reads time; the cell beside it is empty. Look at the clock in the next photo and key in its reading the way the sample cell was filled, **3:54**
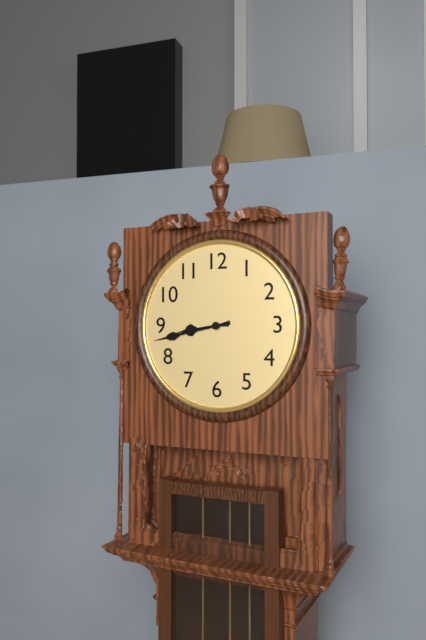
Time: **8:43**
